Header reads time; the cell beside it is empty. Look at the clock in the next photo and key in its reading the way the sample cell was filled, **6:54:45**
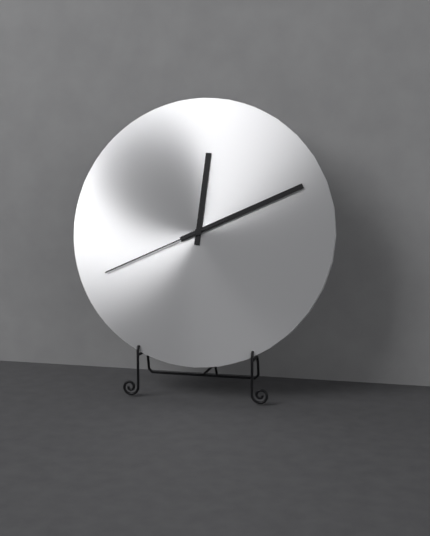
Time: **12:11:41**
